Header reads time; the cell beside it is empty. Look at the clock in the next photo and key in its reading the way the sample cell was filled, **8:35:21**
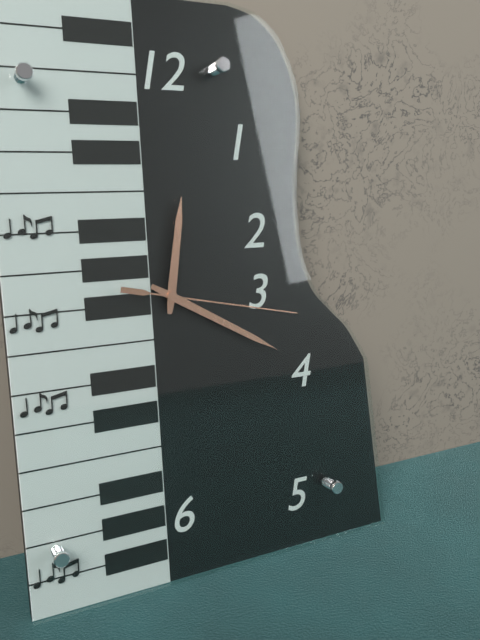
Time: **12:20:17**
